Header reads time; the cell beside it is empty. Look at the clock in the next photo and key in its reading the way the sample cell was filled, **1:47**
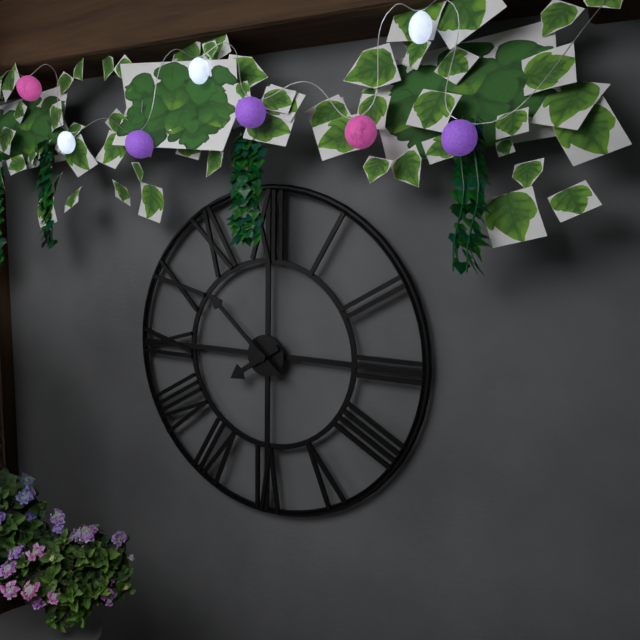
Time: **7:52**
